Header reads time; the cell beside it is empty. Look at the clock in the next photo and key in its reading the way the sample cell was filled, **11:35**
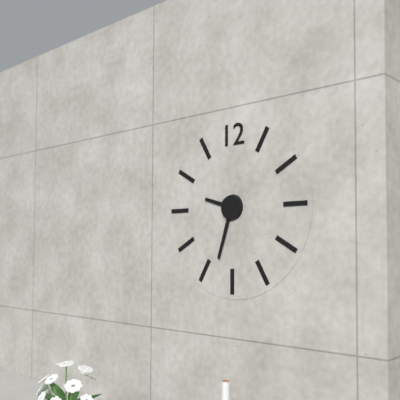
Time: **9:33**
